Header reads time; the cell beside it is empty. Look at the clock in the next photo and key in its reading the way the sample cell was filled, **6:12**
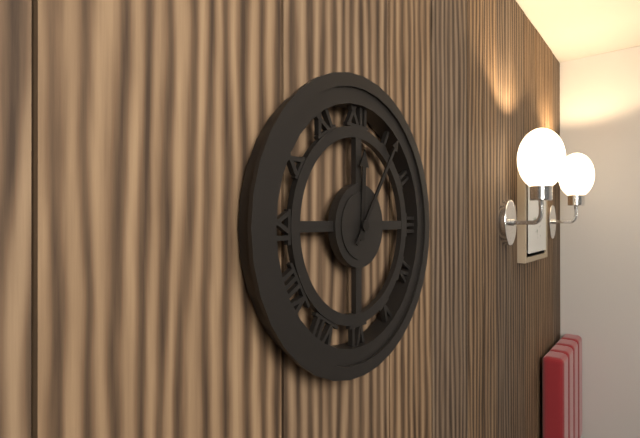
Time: **12:06**
